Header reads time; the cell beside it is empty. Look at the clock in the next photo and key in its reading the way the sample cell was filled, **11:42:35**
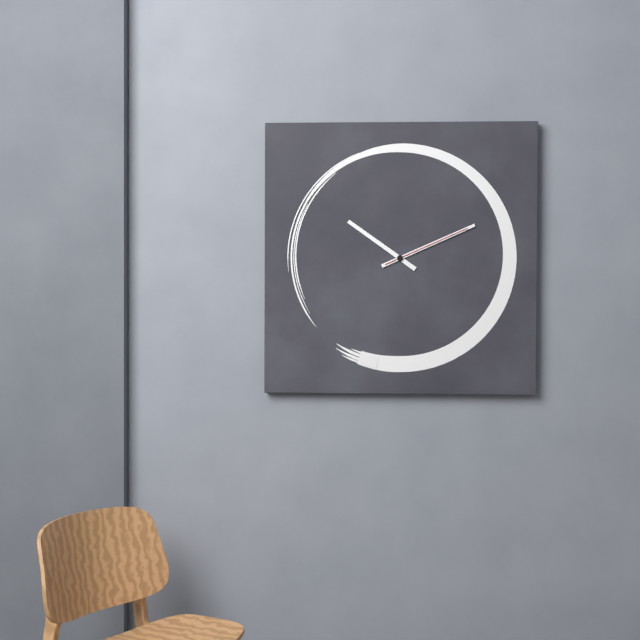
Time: **10:11:11**
